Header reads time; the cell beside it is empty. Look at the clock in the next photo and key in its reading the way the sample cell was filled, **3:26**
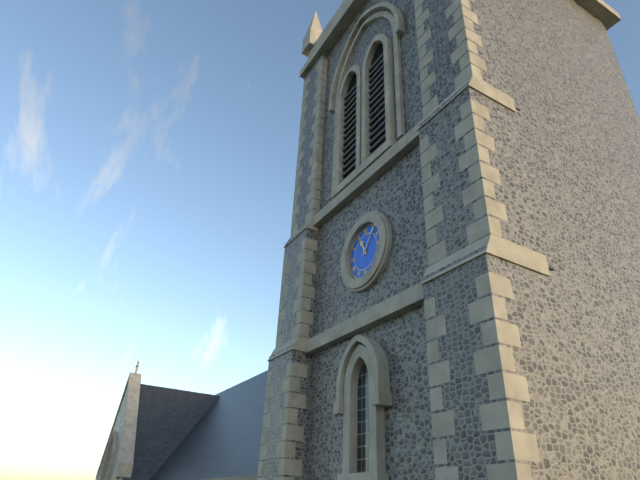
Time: **11:06**
